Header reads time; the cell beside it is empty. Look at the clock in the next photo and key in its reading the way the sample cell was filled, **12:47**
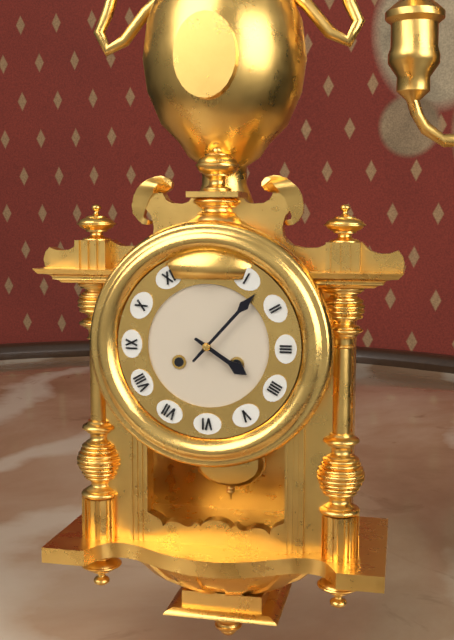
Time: **4:07**
